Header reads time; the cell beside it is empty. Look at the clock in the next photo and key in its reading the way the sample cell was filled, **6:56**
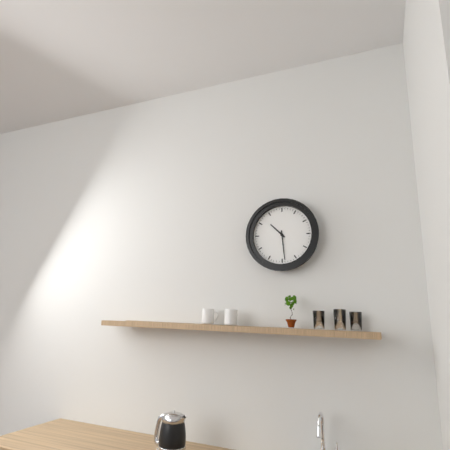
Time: **10:29**
